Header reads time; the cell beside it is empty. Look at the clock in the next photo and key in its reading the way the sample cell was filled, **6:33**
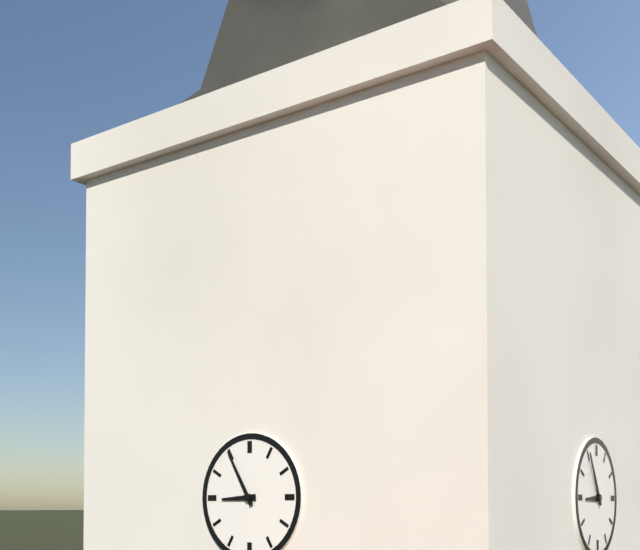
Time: **8:55**
